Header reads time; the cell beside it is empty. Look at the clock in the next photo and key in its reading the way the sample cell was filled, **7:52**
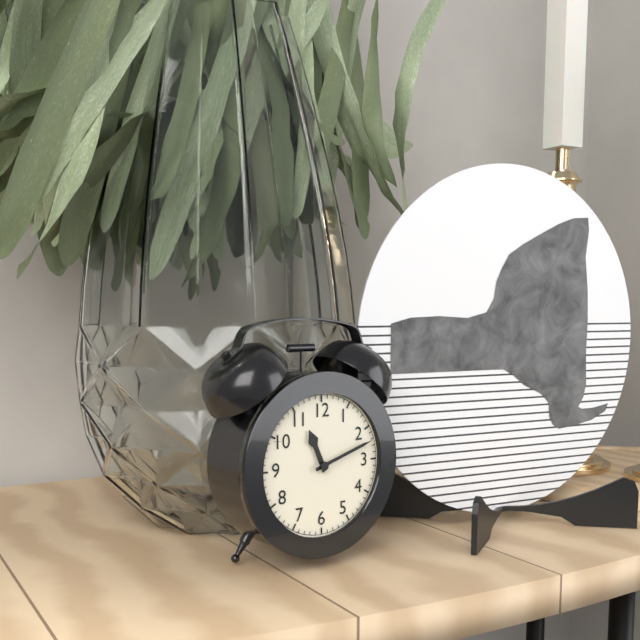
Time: **11:12**
